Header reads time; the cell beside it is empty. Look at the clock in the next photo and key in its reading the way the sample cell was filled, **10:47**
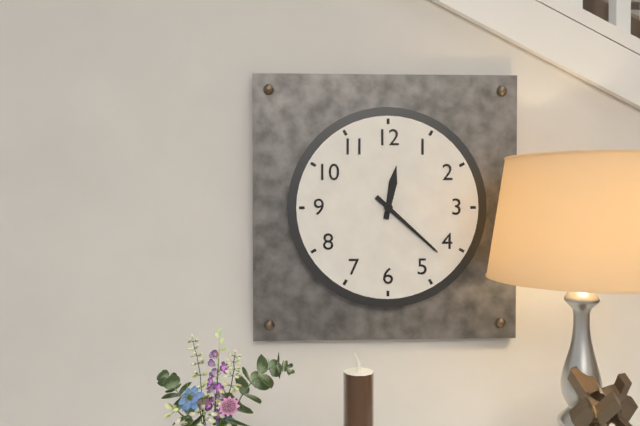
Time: **12:22**
